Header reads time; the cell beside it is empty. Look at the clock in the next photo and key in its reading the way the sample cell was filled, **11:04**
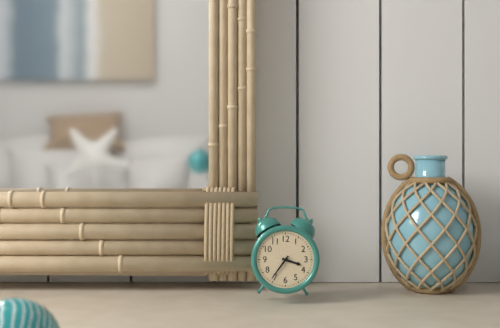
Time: **3:36**
